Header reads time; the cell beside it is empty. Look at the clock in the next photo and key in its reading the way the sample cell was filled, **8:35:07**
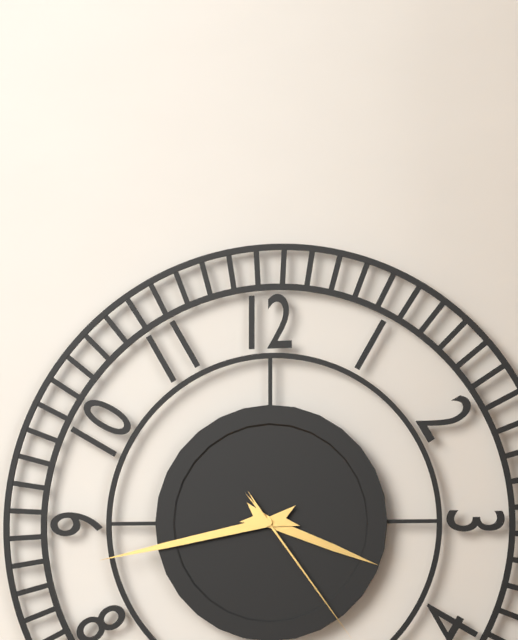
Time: **3:43:24**
